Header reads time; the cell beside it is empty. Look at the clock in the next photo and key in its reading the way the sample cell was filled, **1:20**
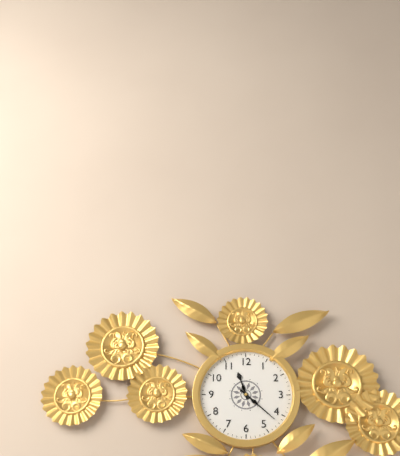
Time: **11:22**
